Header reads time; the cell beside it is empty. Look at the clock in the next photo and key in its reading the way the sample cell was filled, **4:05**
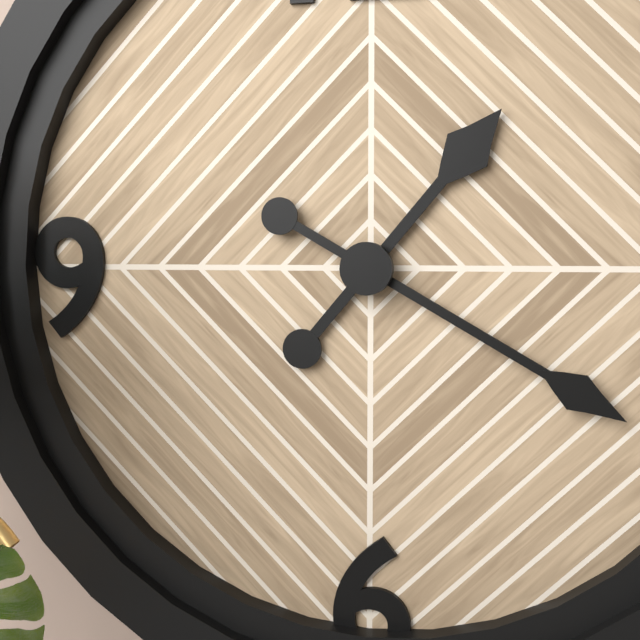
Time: **1:20**
